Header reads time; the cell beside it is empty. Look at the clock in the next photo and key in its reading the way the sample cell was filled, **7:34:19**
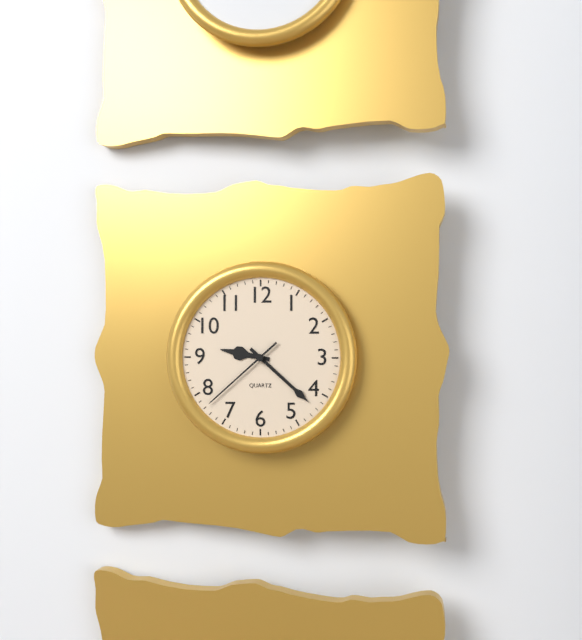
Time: **9:22:38**
